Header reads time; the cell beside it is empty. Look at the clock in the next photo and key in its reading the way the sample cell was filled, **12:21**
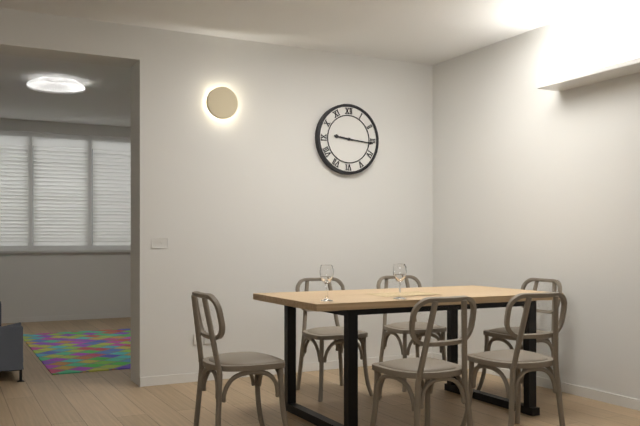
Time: **9:16**
